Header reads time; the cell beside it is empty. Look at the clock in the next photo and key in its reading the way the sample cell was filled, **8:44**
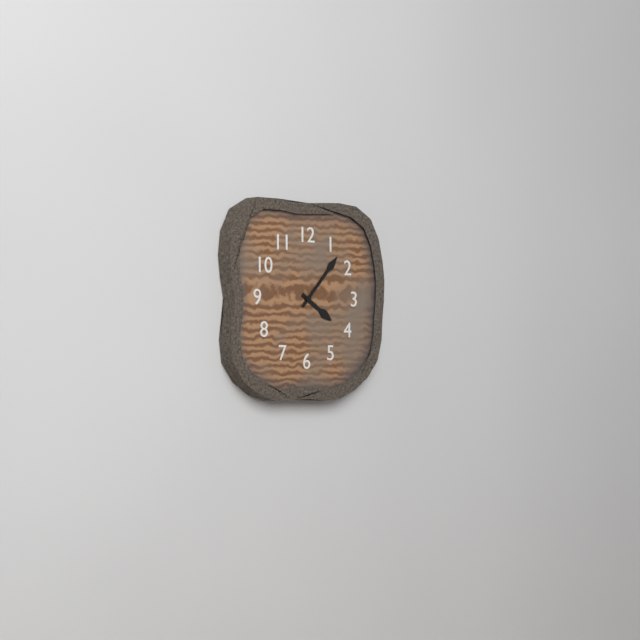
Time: **4:07**
